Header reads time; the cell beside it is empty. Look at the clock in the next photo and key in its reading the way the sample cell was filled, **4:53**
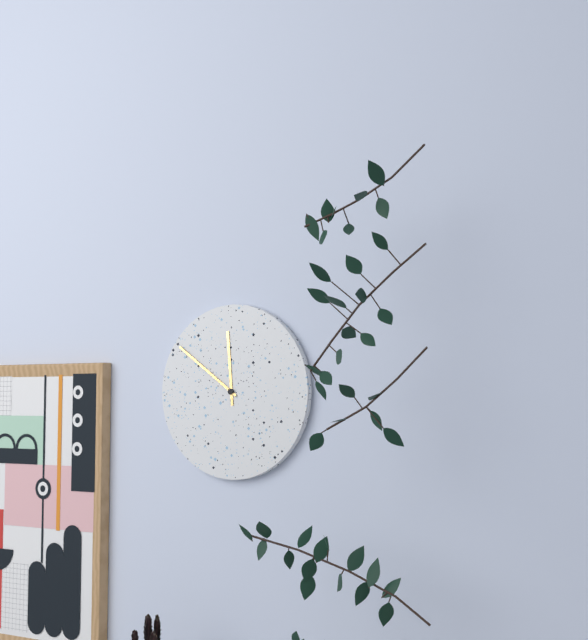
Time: **11:51**
